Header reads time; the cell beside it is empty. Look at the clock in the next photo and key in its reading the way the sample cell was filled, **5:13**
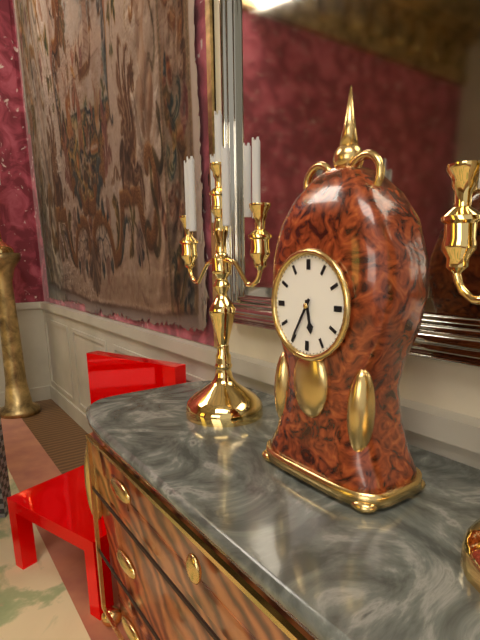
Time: **5:35**
